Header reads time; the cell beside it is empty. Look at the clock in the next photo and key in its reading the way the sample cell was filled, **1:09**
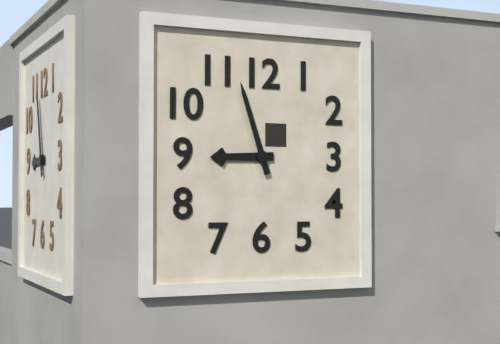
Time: **8:57**
